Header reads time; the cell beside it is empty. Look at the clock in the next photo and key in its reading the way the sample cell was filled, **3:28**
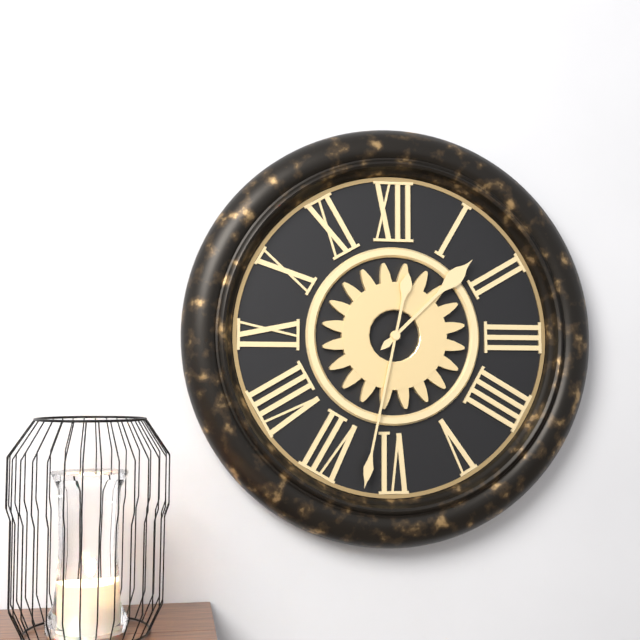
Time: **1:32**
